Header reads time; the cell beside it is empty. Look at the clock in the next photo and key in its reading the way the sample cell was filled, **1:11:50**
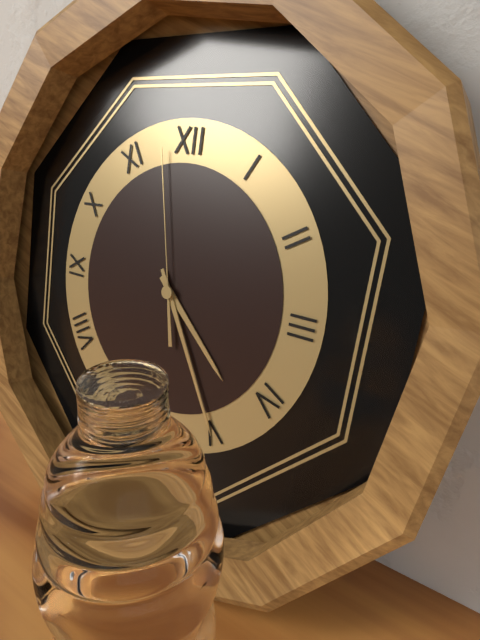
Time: **4:25:58**
